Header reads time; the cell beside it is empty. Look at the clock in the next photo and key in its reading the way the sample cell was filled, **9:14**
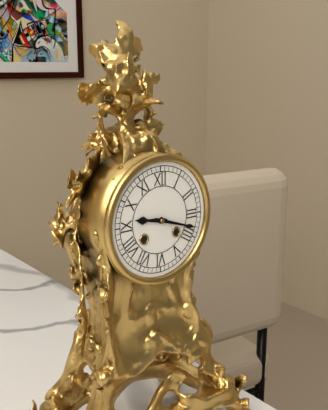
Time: **9:18**
